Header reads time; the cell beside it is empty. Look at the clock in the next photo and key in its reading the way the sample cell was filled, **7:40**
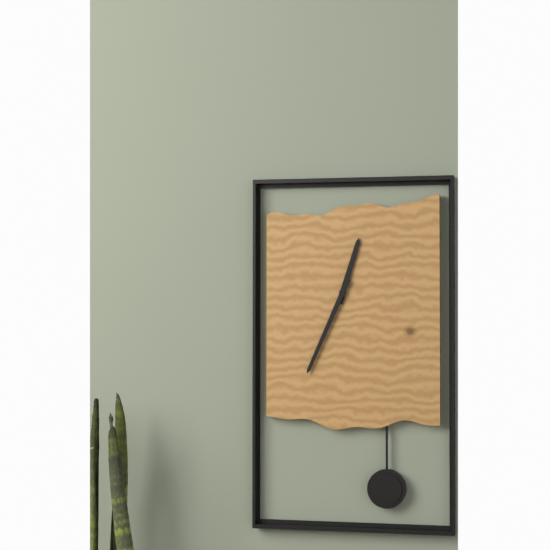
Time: **12:34**
